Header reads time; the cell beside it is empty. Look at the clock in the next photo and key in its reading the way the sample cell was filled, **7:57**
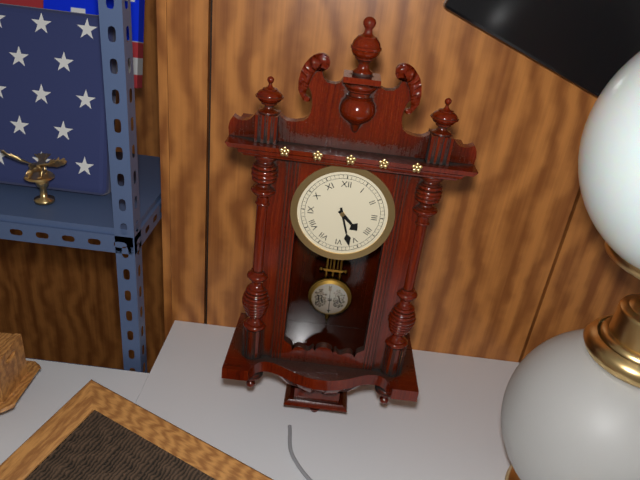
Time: **4:27**
